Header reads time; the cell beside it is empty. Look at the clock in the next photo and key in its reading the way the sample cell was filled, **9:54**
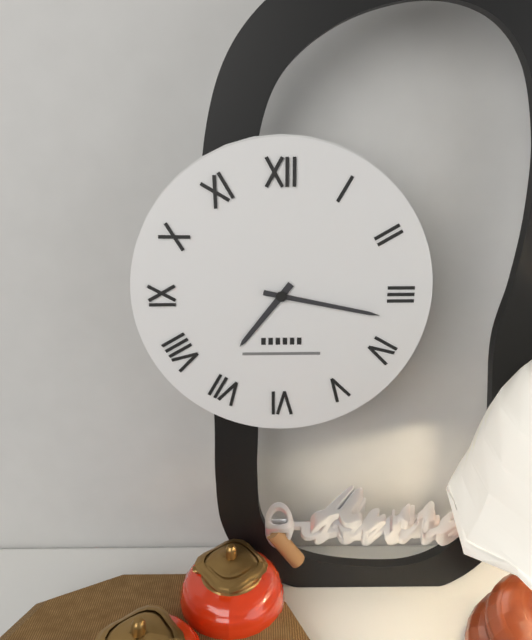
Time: **7:17**
